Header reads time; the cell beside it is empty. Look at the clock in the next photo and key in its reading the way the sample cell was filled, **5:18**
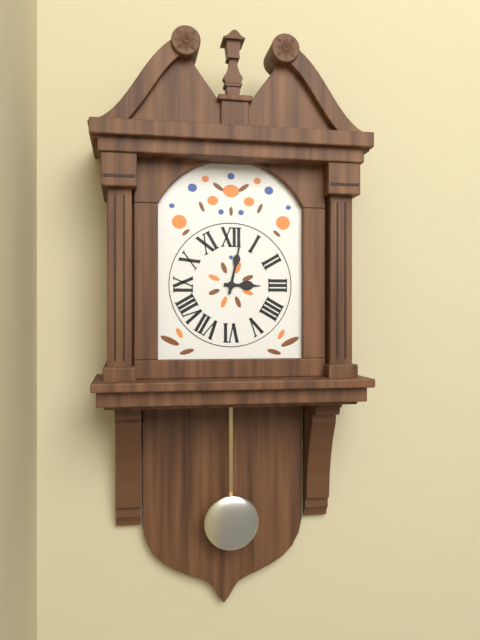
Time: **3:02**
